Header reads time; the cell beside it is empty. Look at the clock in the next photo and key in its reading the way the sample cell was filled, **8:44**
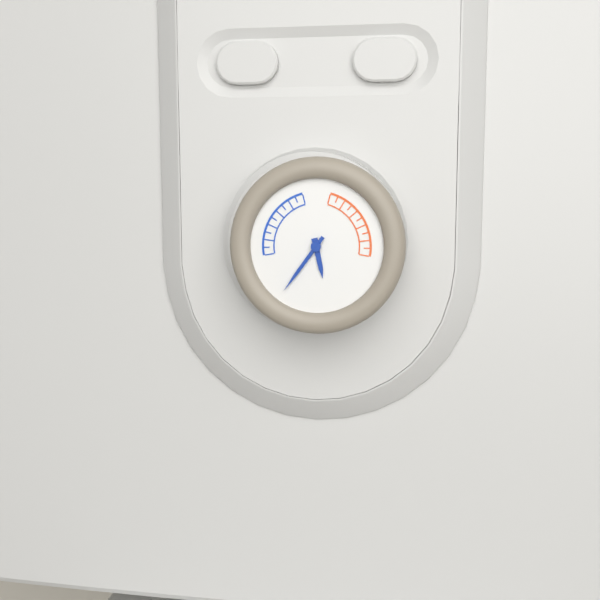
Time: **5:36**
